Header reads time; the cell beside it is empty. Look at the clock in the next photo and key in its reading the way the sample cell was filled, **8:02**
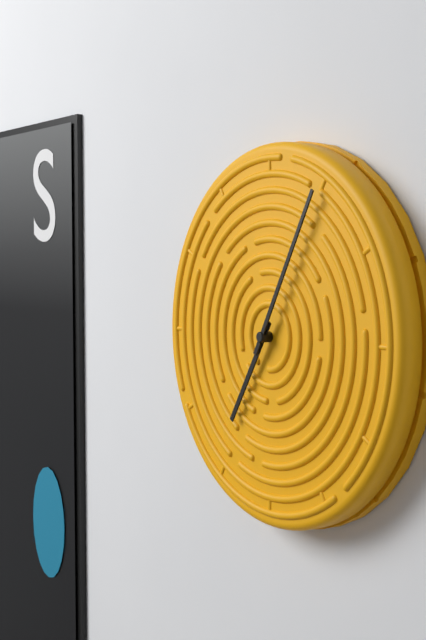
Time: **7:05**
